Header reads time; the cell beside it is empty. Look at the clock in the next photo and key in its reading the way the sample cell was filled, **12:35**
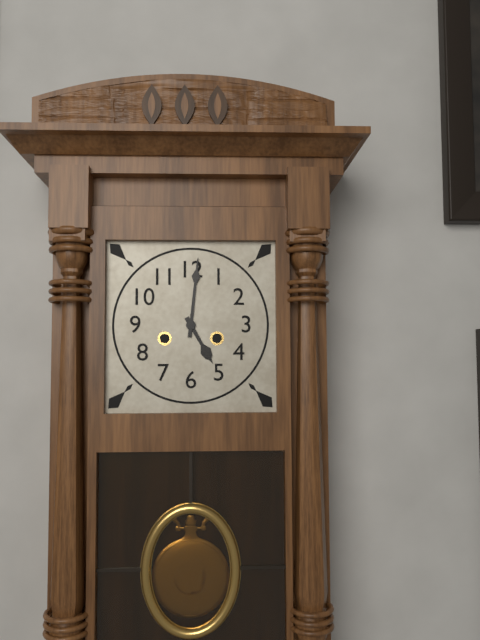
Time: **5:01**
